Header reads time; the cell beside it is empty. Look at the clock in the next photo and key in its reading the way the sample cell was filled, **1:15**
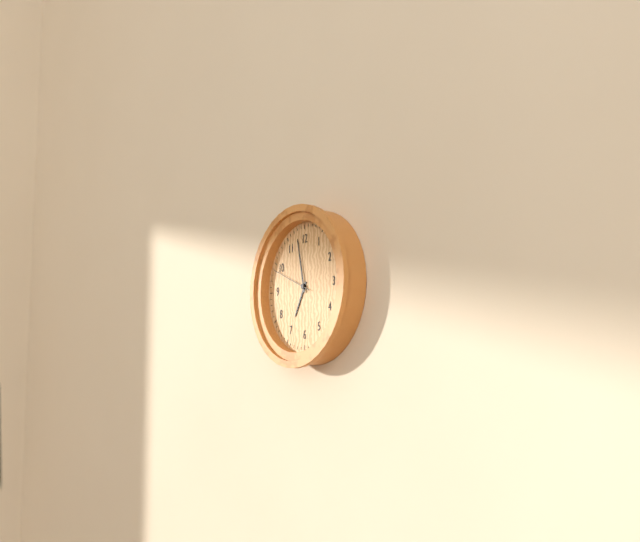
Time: **6:58**
